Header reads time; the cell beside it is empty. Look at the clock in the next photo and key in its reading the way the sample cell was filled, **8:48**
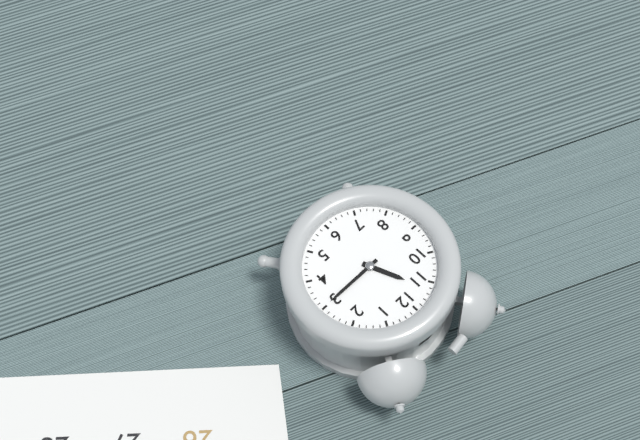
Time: **11:15**
